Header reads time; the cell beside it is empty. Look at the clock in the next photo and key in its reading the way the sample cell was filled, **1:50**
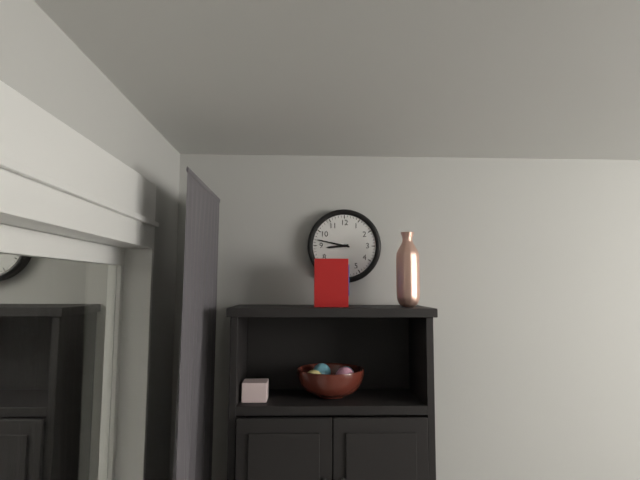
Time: **8:47**
